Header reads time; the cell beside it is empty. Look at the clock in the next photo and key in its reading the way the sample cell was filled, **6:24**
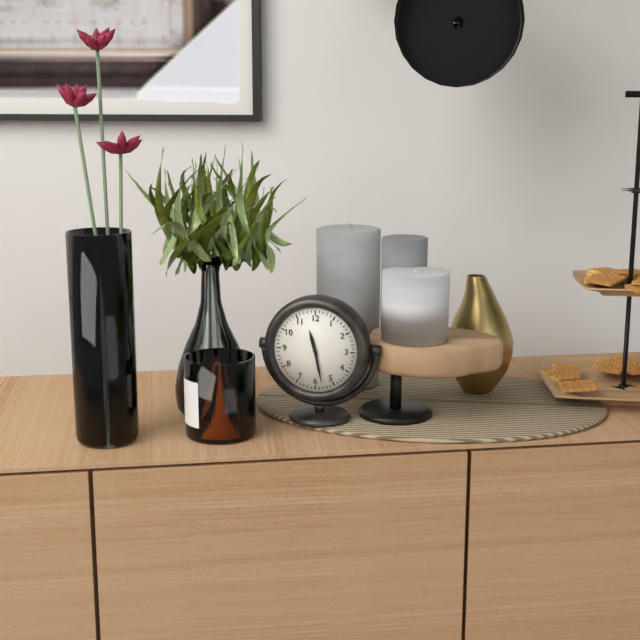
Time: **11:28**
